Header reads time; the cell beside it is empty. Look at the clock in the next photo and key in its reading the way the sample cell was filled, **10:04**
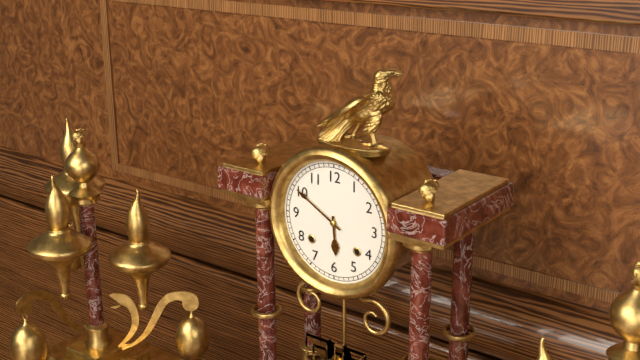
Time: **5:50**
